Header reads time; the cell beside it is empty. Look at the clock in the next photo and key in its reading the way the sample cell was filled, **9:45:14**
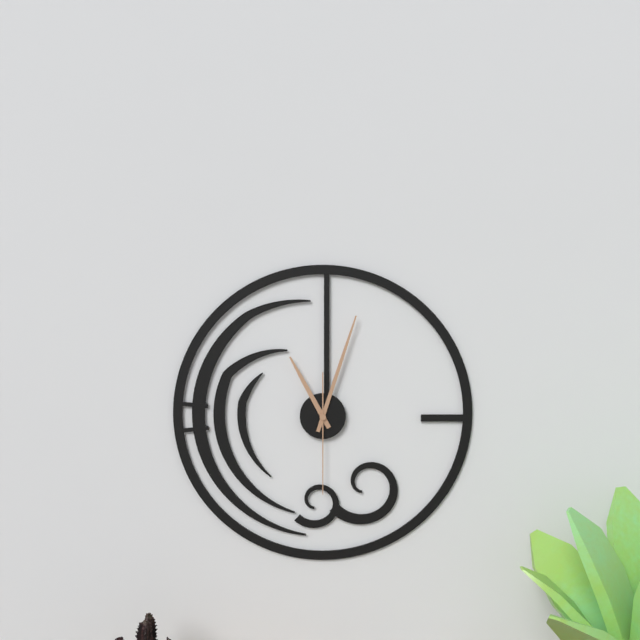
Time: **11:03:30**
